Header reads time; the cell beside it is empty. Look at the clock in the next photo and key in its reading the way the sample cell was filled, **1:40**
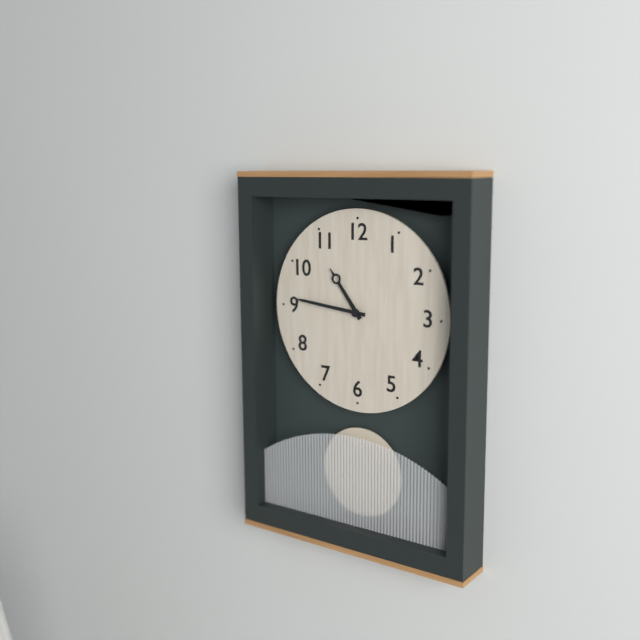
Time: **10:46**
